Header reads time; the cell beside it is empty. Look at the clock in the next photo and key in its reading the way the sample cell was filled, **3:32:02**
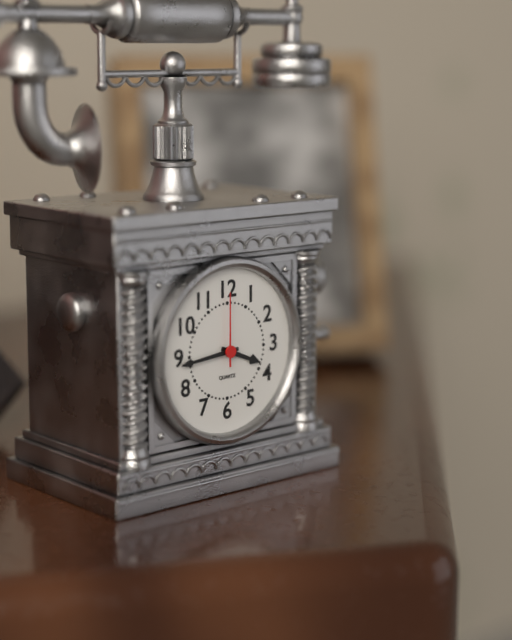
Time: **3:44:00**
